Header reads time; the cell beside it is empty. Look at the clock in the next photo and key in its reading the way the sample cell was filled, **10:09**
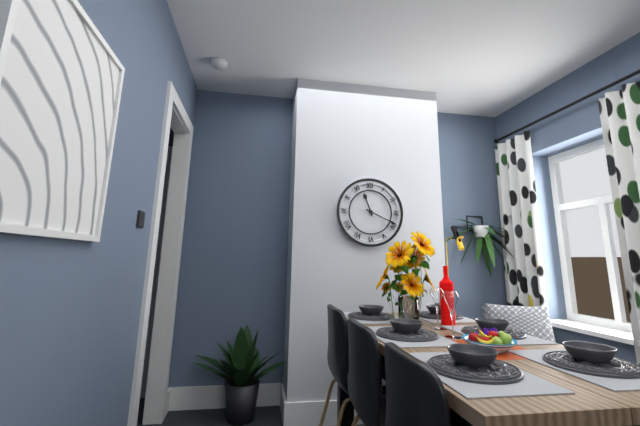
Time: **11:19**
